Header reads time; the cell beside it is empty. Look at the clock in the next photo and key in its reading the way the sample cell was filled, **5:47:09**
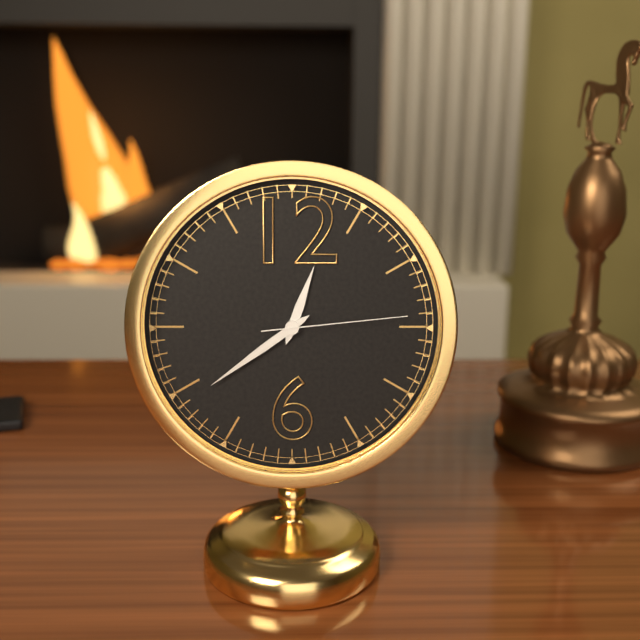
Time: **12:39:14**
